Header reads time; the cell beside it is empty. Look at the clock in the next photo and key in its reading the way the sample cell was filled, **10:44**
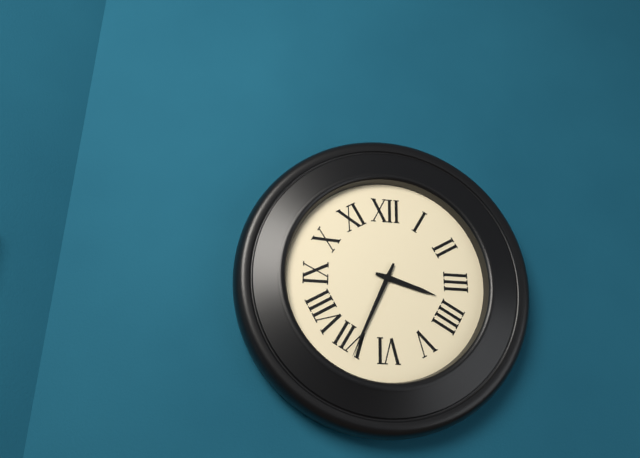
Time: **3:34**
